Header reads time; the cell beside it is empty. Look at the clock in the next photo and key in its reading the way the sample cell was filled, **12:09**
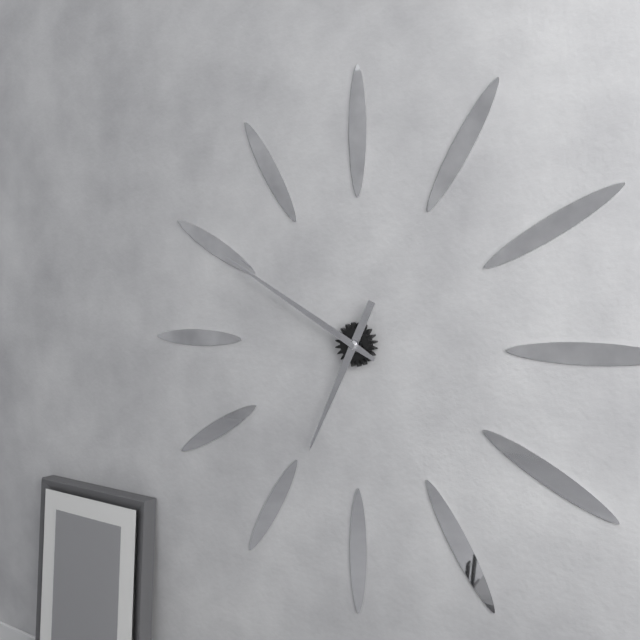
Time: **6:50**
